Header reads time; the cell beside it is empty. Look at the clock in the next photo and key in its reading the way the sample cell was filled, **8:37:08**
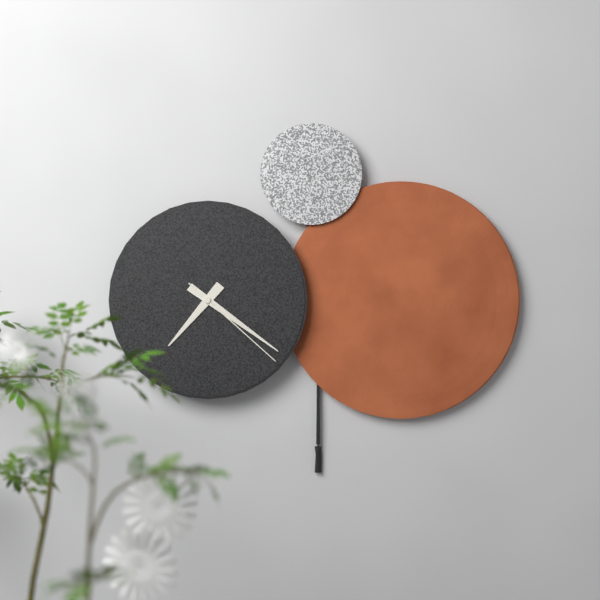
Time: **7:21:22**
